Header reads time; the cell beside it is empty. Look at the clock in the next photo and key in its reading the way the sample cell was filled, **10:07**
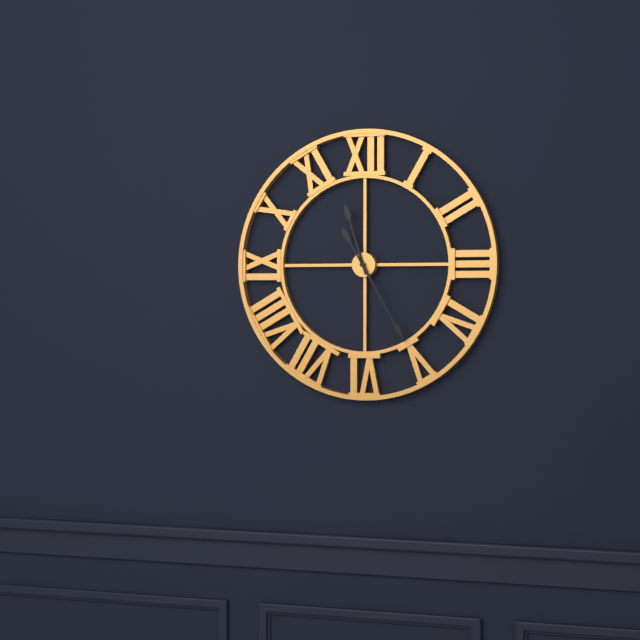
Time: **11:25**
